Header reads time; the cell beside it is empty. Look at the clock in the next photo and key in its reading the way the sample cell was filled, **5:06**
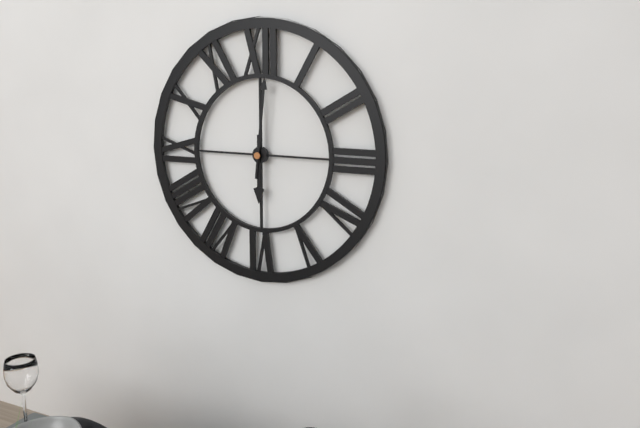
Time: **6:01**
